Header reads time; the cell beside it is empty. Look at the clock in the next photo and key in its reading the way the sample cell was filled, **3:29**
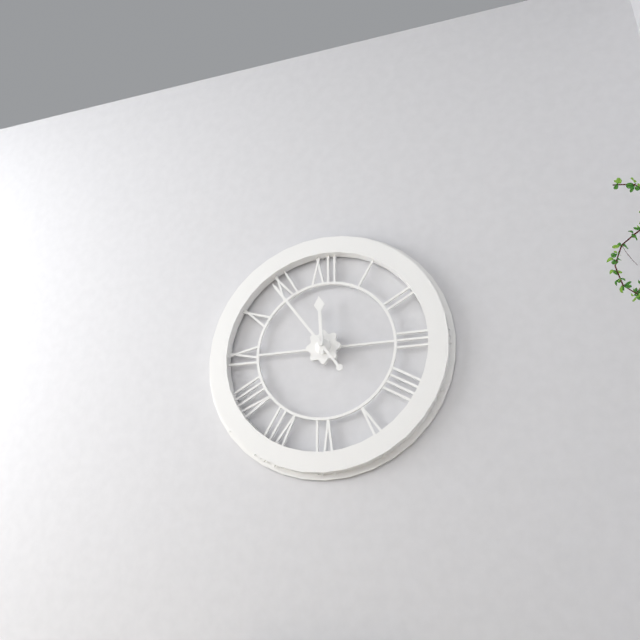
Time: **11:54**
